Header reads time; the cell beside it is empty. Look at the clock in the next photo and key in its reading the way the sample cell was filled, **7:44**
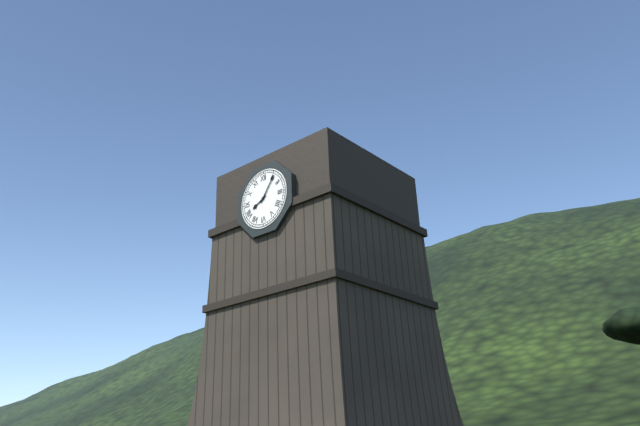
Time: **8:06**
